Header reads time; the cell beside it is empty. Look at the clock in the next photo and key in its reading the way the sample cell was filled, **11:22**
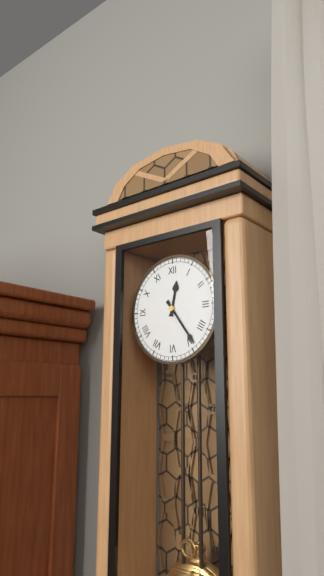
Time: **12:24**
